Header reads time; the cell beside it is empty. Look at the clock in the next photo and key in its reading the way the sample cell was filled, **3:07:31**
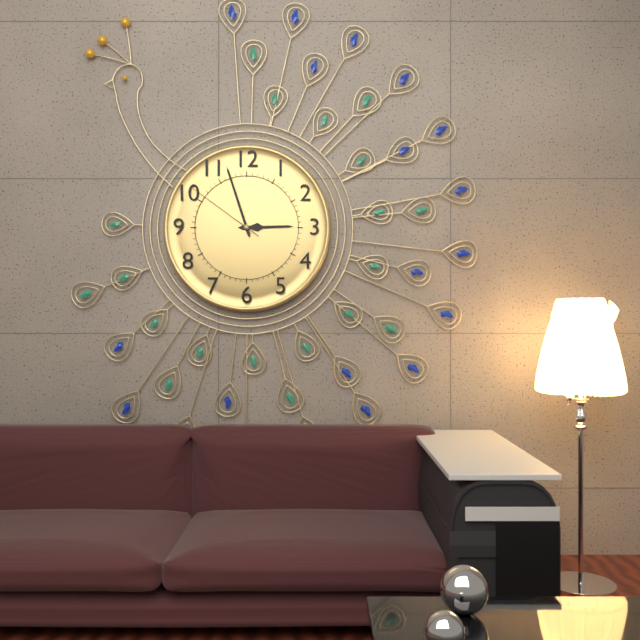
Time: **2:57:51**
